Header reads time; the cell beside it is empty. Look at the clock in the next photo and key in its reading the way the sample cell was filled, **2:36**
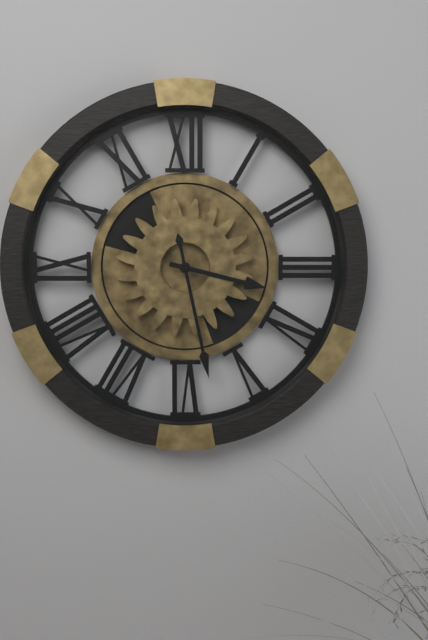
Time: **3:28**
